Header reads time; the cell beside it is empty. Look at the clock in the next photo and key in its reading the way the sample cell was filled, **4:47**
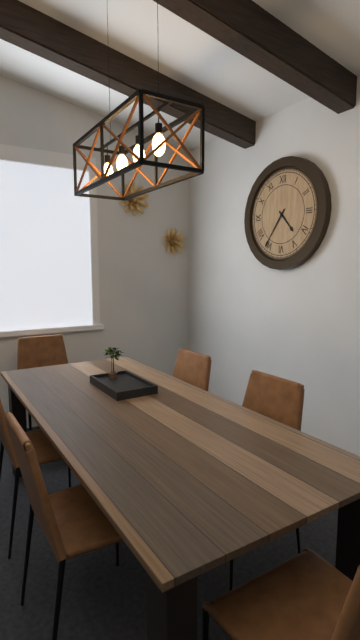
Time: **4:36**
